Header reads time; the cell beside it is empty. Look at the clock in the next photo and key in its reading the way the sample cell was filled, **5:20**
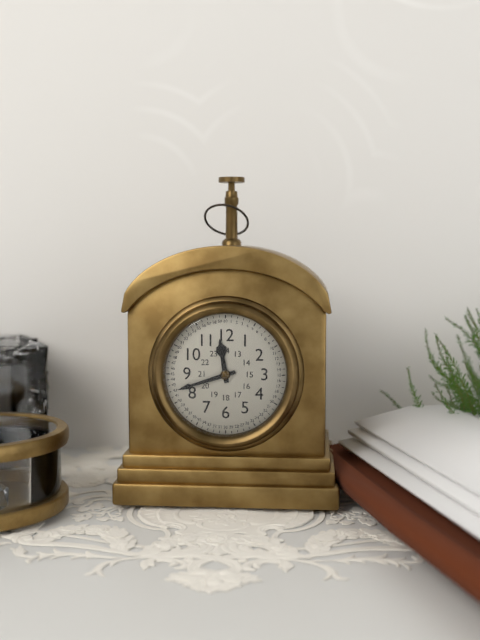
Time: **11:42**
